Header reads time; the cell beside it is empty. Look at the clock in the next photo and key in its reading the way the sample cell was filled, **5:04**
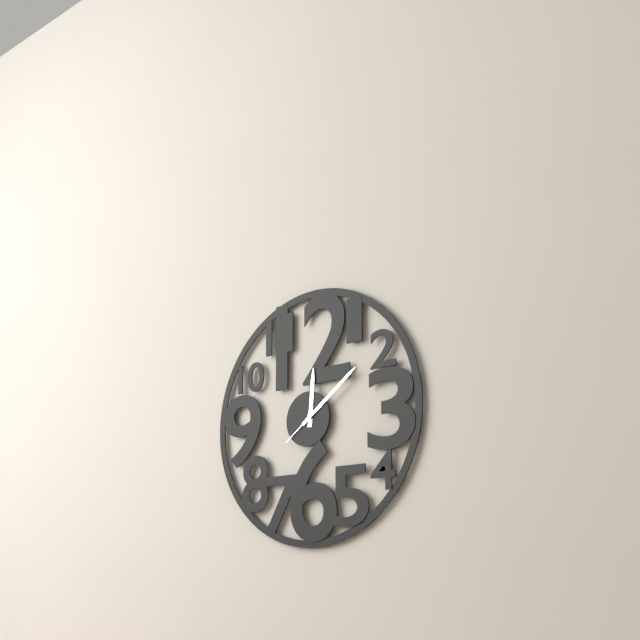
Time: **12:09**
